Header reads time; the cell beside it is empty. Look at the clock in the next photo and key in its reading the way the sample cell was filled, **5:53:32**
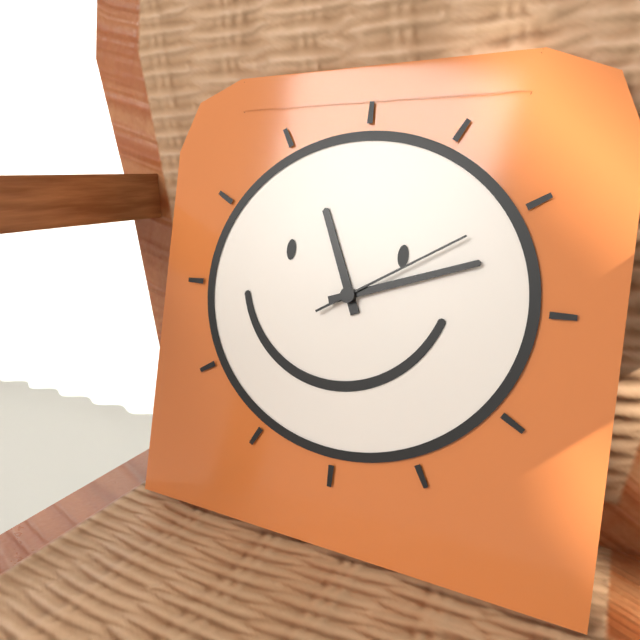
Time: **11:12:10**
